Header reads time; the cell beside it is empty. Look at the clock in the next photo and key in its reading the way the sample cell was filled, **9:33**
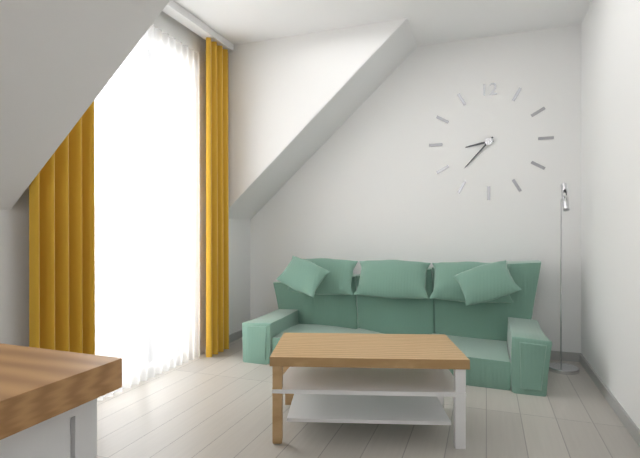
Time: **8:37**
